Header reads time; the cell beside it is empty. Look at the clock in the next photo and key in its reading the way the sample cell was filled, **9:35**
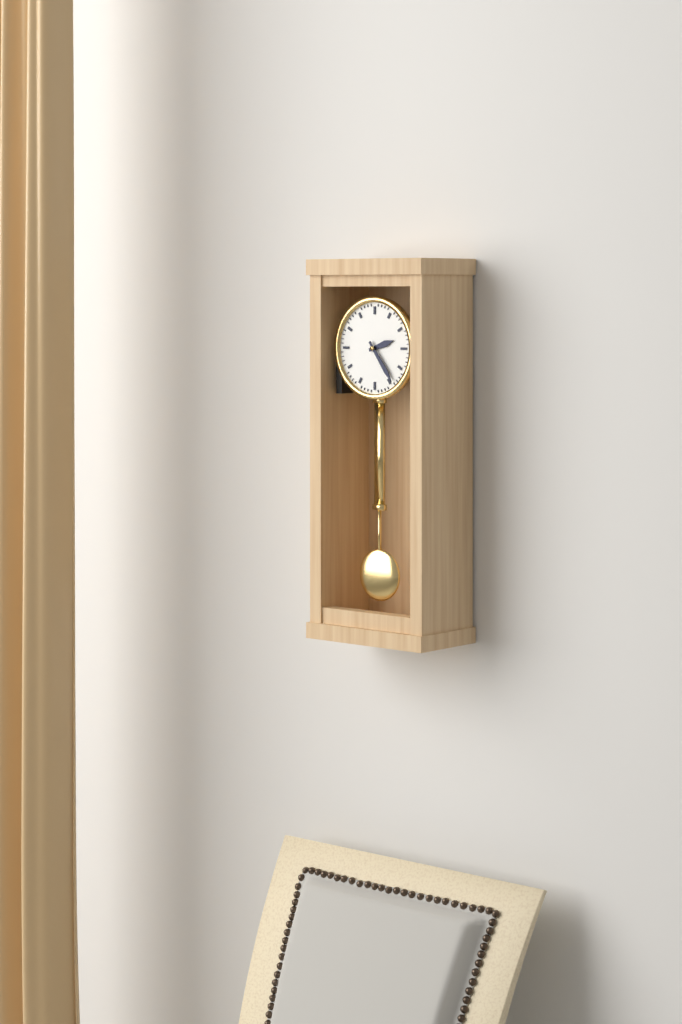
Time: **2:24**
